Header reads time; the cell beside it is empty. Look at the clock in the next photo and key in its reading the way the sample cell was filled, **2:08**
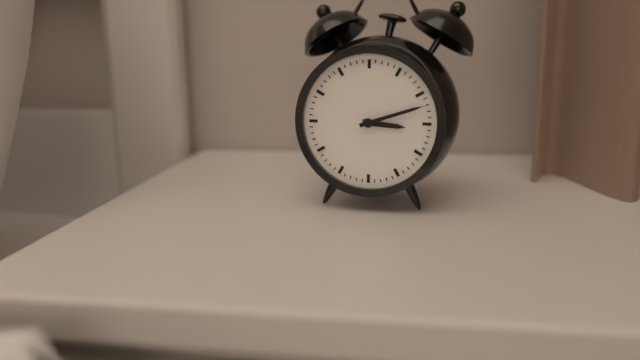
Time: **3:12**
